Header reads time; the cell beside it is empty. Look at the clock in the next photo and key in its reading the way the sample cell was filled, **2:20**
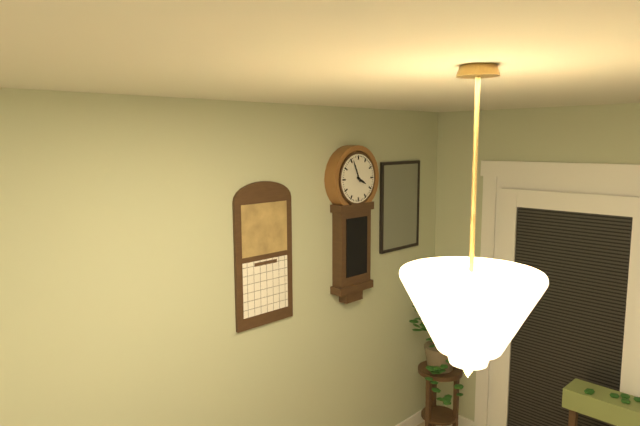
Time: **3:56**
